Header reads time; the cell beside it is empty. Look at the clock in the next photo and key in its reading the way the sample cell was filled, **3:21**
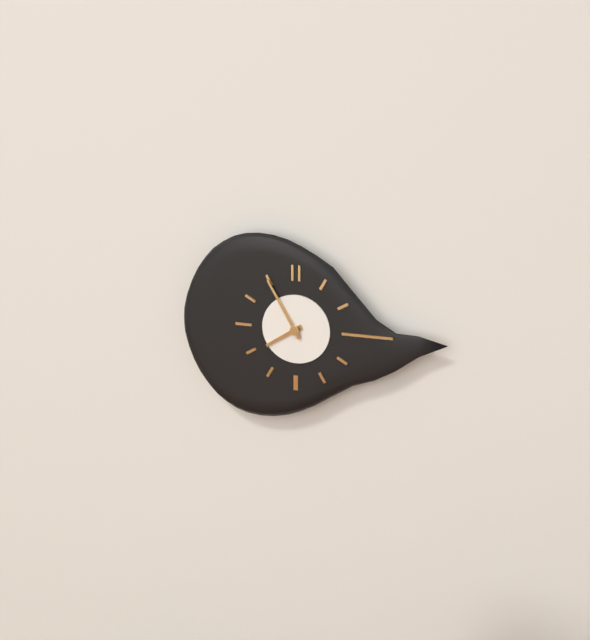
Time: **7:55**
